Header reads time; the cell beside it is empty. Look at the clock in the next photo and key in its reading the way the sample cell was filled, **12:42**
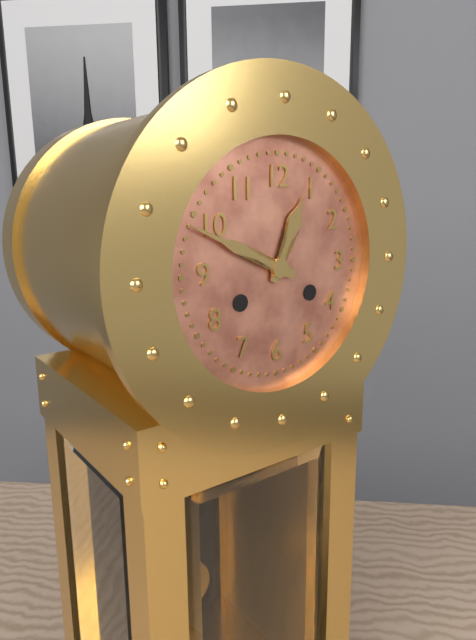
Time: **12:49**
